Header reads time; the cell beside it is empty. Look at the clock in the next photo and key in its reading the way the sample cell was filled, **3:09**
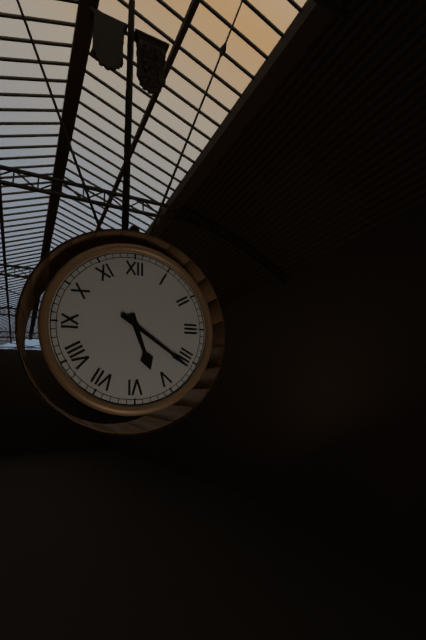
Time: **5:21**
